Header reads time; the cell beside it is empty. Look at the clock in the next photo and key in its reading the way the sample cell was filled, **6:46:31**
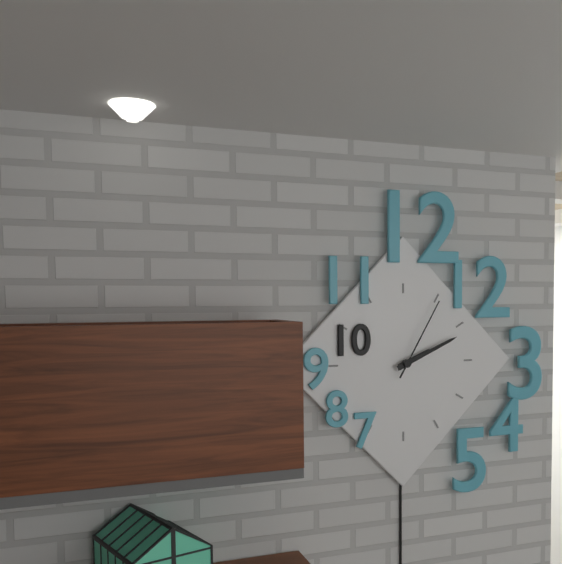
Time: **2:11:05**
